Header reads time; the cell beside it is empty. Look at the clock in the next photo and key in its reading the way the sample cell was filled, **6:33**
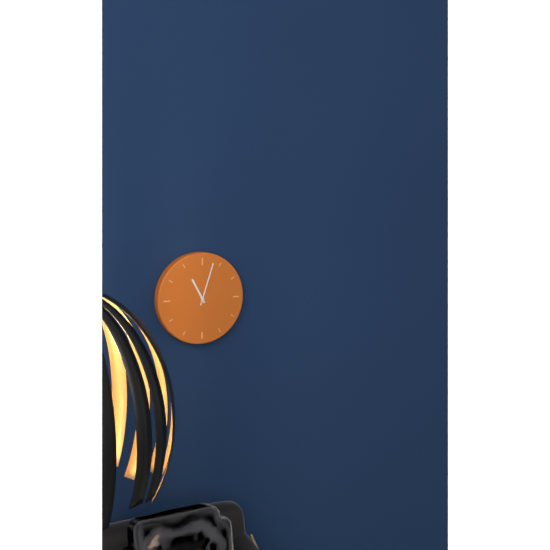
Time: **11:03**
